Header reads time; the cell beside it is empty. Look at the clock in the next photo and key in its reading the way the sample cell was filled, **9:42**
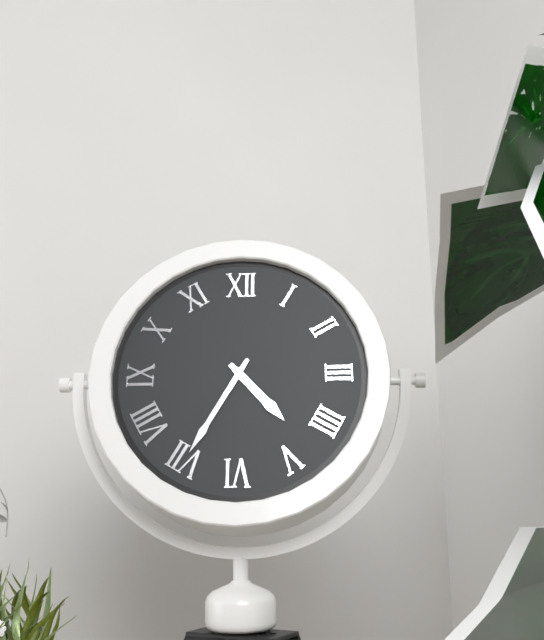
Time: **4:35**
